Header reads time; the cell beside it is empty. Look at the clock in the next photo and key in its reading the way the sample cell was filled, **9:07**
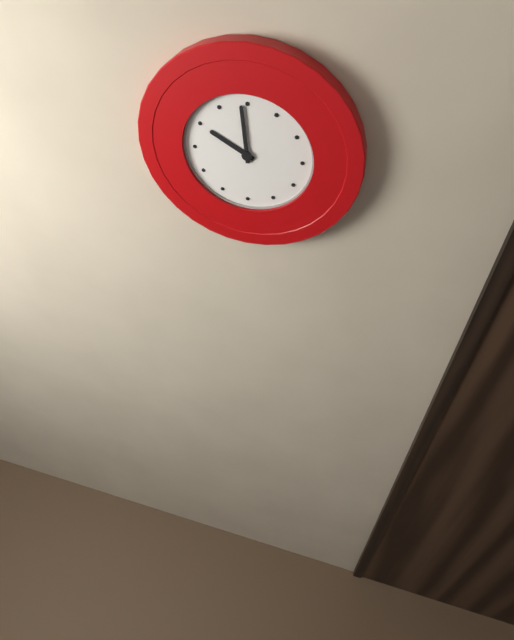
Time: **9:59**
